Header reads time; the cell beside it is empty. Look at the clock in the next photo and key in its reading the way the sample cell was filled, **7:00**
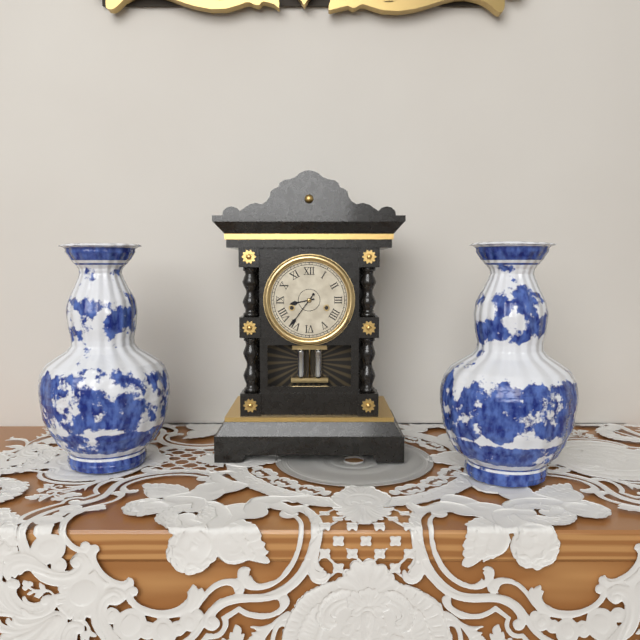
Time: **8:36**
